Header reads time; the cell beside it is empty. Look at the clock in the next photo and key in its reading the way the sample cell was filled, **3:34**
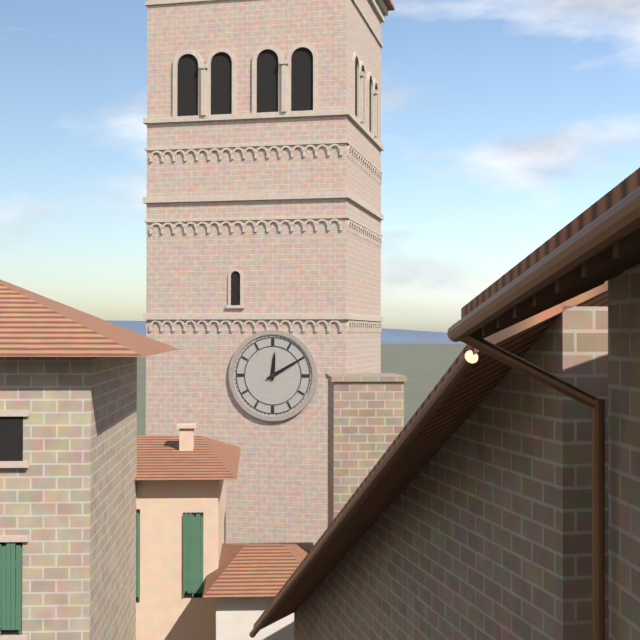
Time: **12:10**
